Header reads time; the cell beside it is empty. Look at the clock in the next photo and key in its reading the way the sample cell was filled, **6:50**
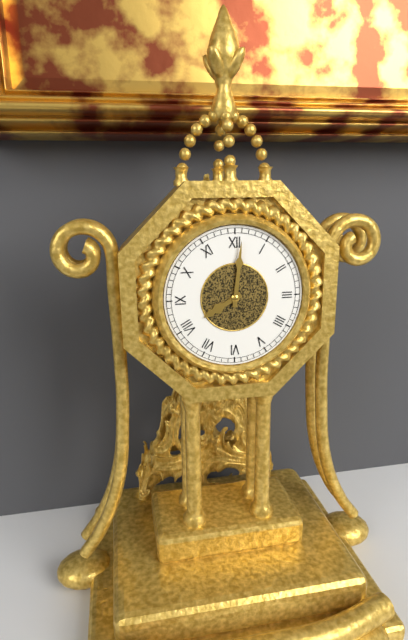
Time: **8:01**
